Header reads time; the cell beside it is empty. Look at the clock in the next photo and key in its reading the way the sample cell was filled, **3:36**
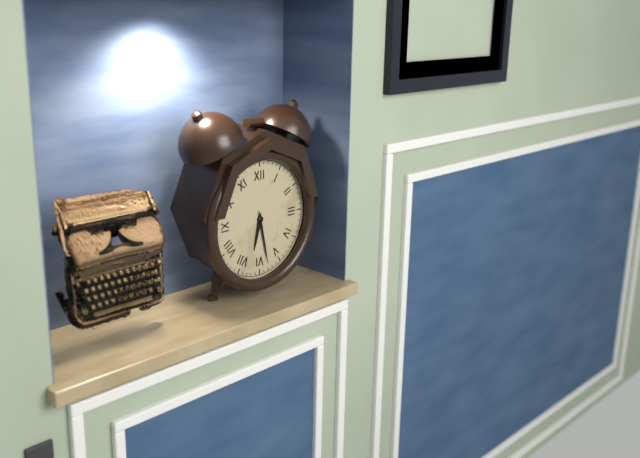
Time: **6:28**
